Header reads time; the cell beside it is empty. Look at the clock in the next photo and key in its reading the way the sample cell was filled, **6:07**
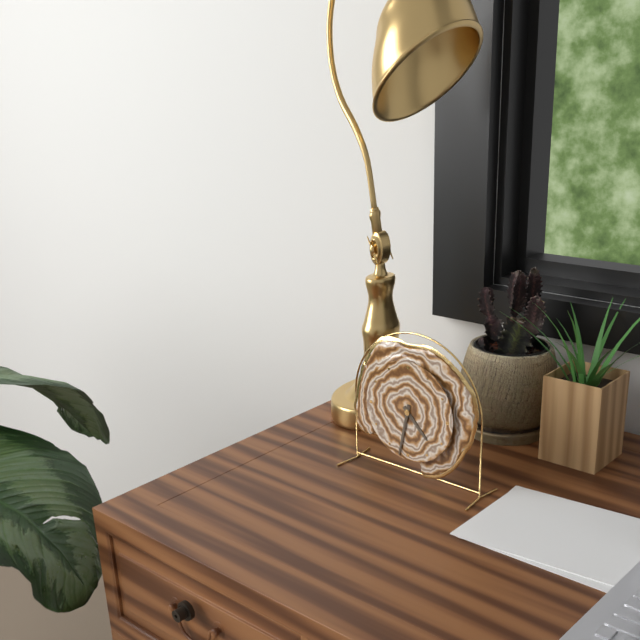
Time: **4:32**
